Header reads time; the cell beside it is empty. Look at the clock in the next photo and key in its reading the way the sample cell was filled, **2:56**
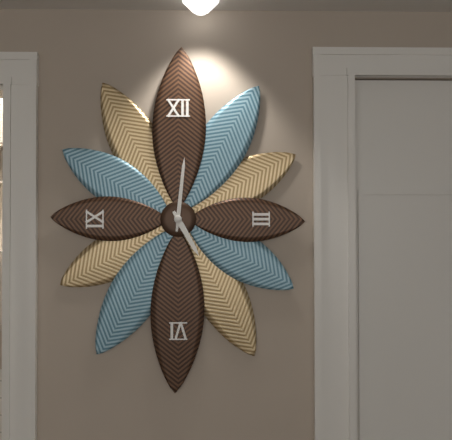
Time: **5:01**
